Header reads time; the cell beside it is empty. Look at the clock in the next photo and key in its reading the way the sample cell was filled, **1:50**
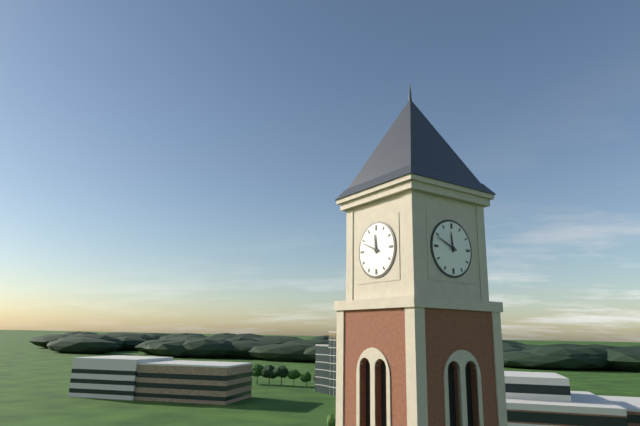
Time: **11:49**
